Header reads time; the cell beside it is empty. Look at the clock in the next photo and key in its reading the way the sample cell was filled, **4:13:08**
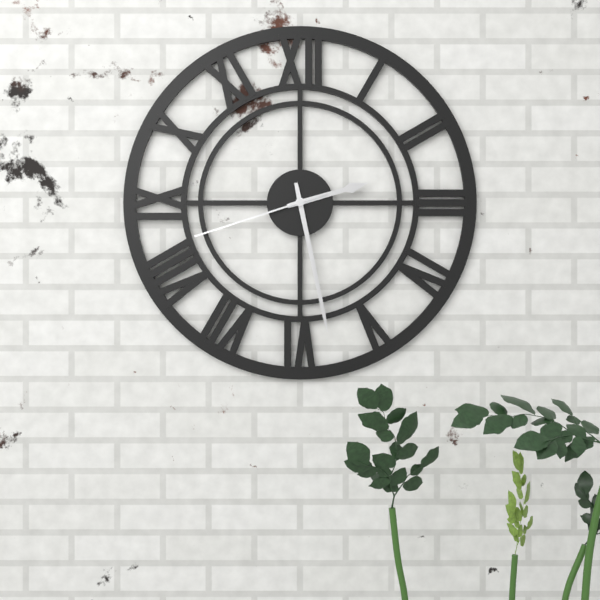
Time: **2:28:42**
